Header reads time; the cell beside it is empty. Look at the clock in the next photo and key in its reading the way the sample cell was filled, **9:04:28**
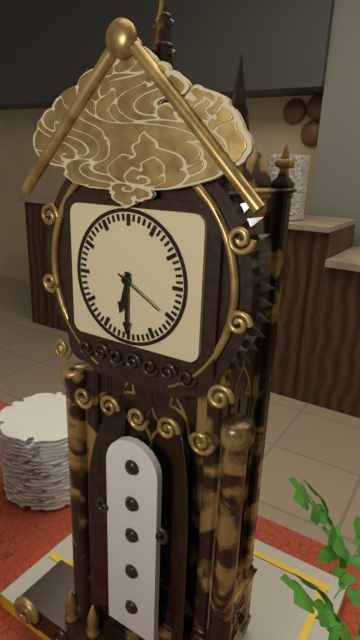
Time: **6:30:20**
